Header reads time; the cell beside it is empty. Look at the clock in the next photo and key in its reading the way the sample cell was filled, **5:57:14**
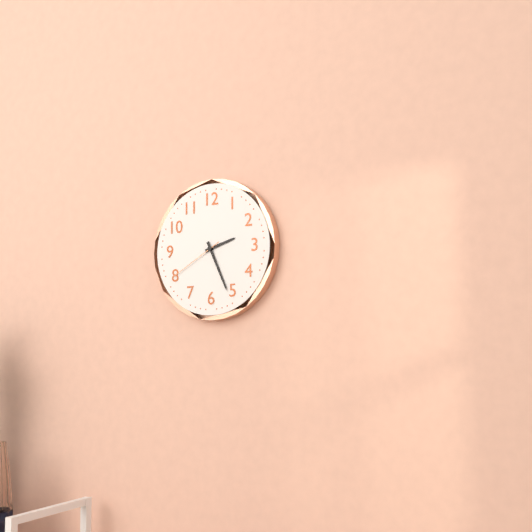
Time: **2:26:40**
